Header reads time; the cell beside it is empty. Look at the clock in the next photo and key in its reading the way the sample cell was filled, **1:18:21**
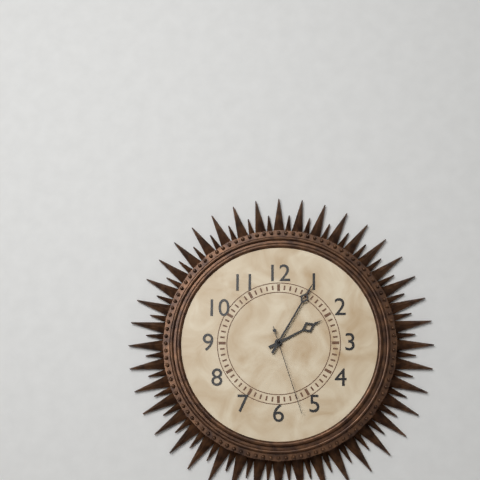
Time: **2:05:27**
